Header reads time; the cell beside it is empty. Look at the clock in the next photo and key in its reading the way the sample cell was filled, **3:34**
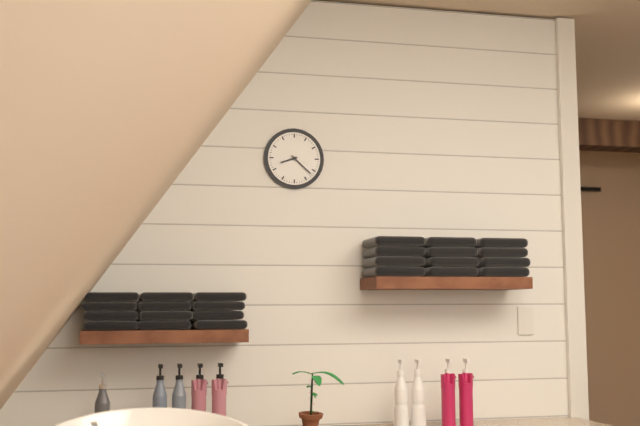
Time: **8:22**
